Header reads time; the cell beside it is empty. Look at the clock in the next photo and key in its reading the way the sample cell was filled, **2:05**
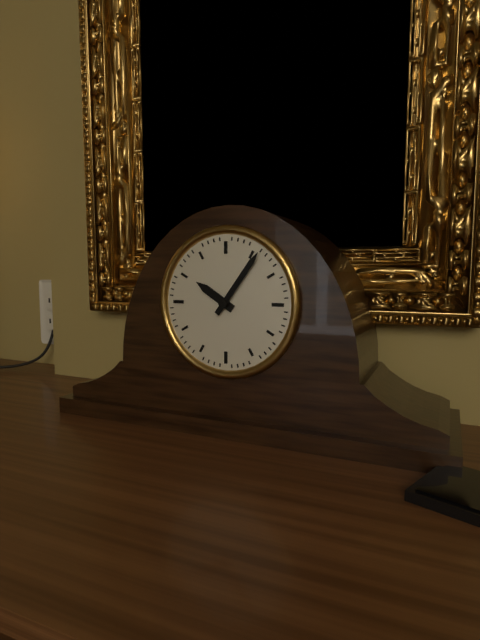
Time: **10:06**
